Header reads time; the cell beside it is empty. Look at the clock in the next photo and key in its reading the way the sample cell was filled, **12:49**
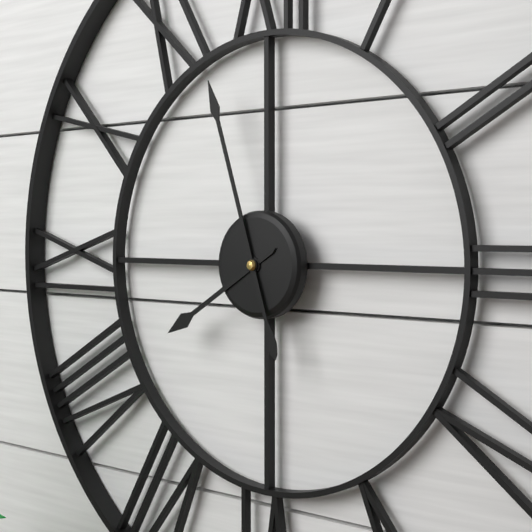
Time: **7:57**
